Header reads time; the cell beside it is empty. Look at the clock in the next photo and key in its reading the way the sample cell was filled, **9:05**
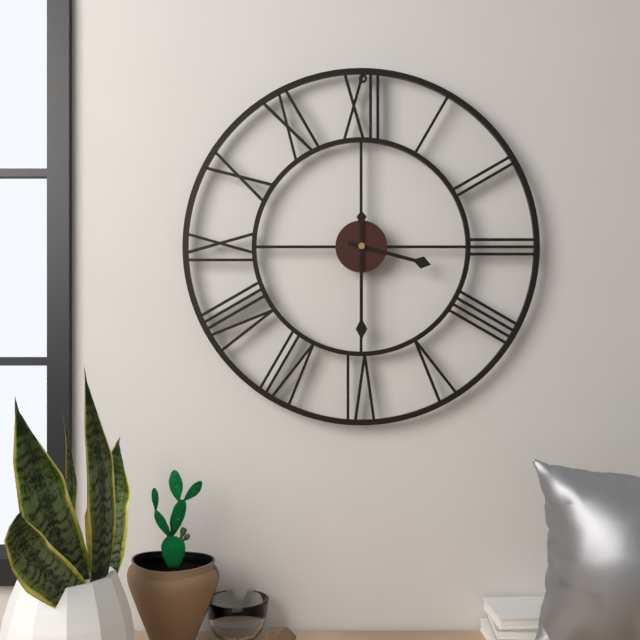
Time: **3:30**
